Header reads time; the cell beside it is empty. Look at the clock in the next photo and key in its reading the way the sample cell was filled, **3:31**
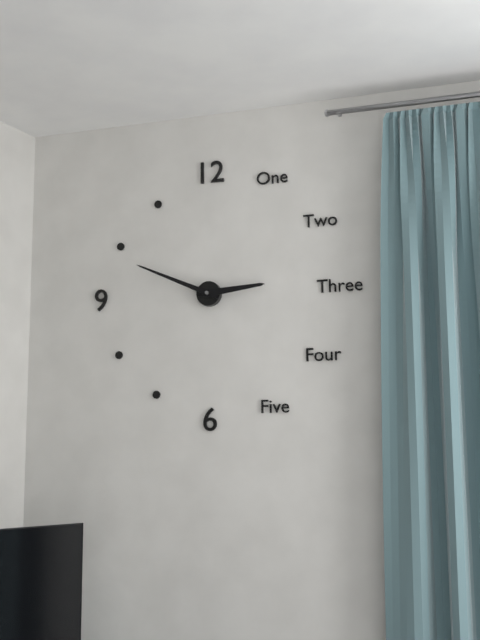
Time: **2:49**
